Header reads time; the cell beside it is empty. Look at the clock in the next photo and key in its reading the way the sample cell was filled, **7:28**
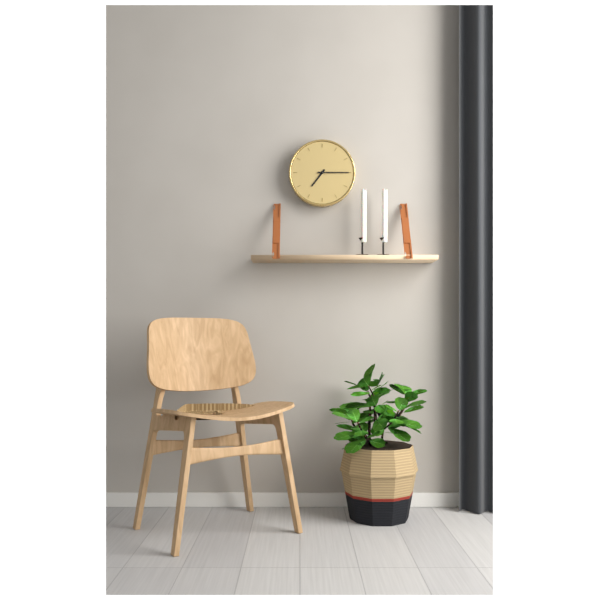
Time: **7:15**
